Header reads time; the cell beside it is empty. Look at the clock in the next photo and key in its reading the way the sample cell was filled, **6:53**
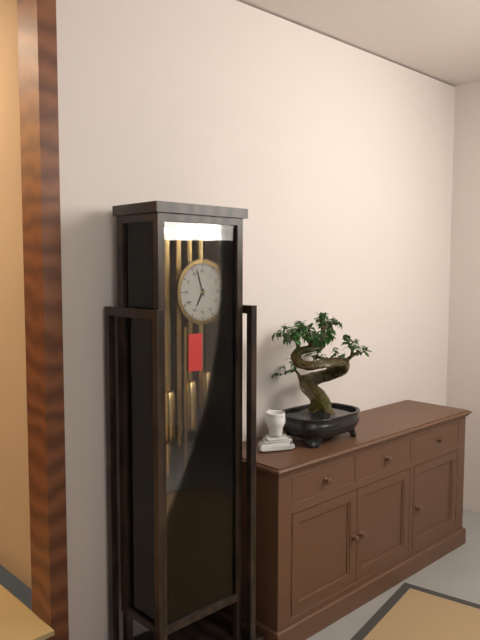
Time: **6:57**
